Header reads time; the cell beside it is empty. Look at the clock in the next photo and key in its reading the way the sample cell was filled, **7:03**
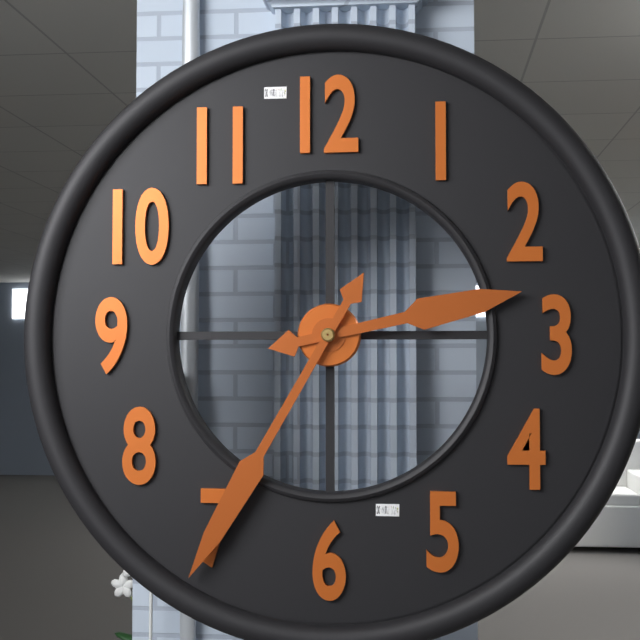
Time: **2:35**
